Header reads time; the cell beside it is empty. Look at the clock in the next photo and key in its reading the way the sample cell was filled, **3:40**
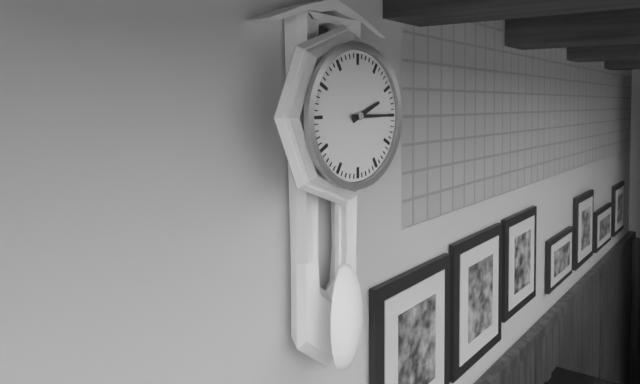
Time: **2:15**
